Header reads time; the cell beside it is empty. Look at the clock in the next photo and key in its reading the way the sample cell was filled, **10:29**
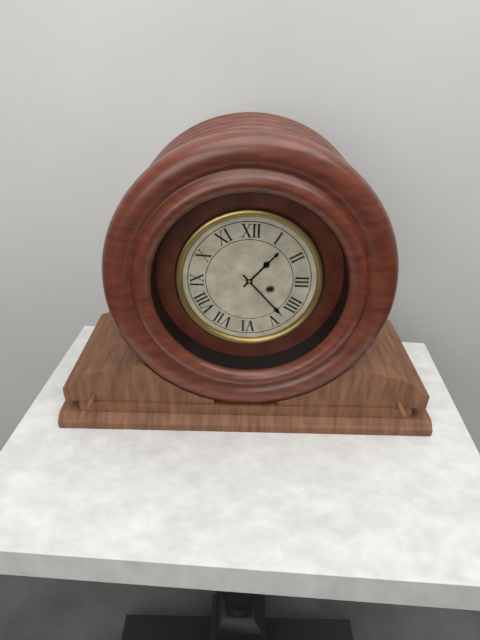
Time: **1:23**
